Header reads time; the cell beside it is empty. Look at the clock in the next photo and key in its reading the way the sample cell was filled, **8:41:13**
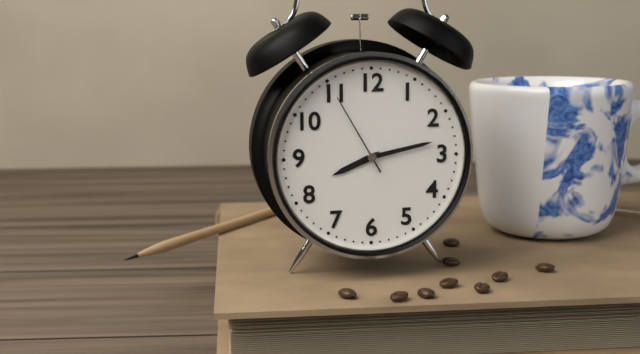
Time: **8:13:55**
